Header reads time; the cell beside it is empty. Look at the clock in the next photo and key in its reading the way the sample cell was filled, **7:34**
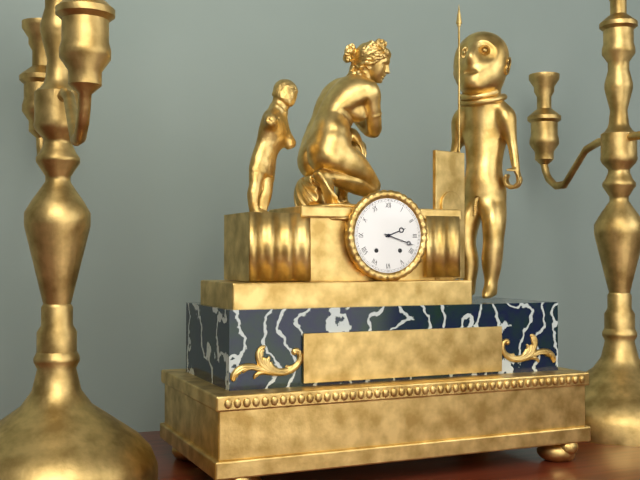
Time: **2:18**
